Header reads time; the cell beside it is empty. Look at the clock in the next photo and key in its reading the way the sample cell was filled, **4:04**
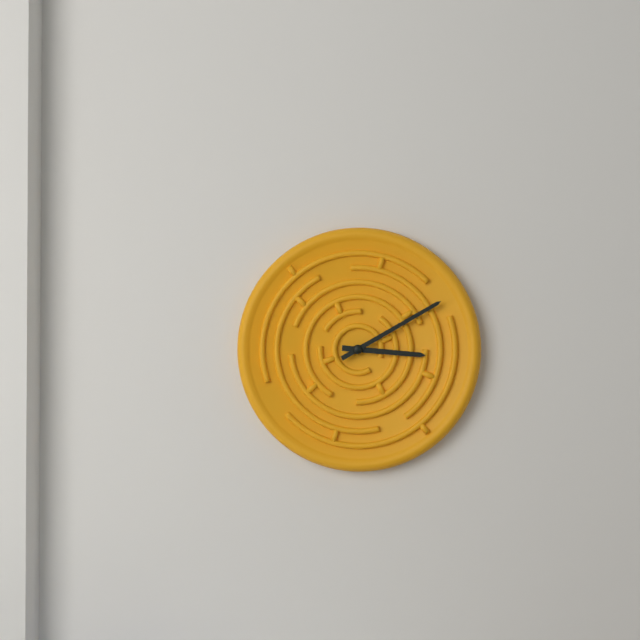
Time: **3:10**
